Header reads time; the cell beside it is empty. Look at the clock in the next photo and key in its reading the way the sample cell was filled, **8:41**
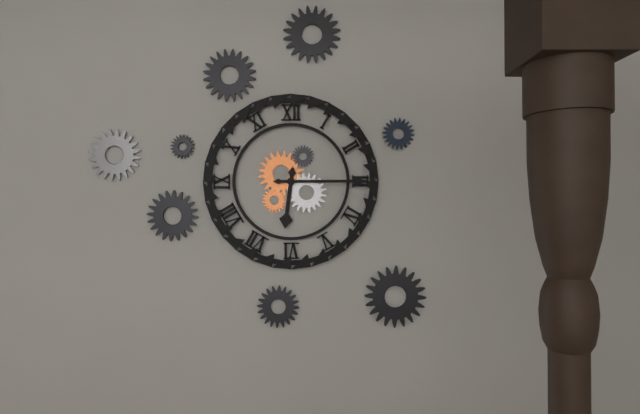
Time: **6:15**
